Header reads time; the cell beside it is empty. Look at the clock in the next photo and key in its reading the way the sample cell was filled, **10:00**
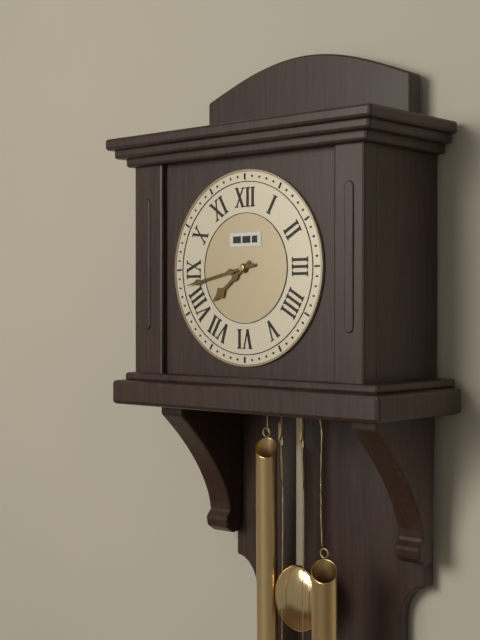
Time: **7:43**
